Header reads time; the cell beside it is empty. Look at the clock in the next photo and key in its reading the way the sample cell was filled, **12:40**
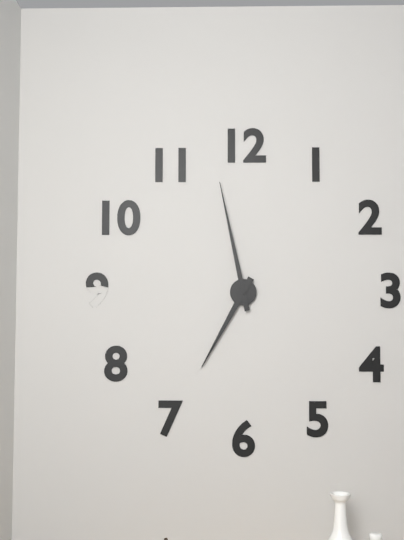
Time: **6:58**
